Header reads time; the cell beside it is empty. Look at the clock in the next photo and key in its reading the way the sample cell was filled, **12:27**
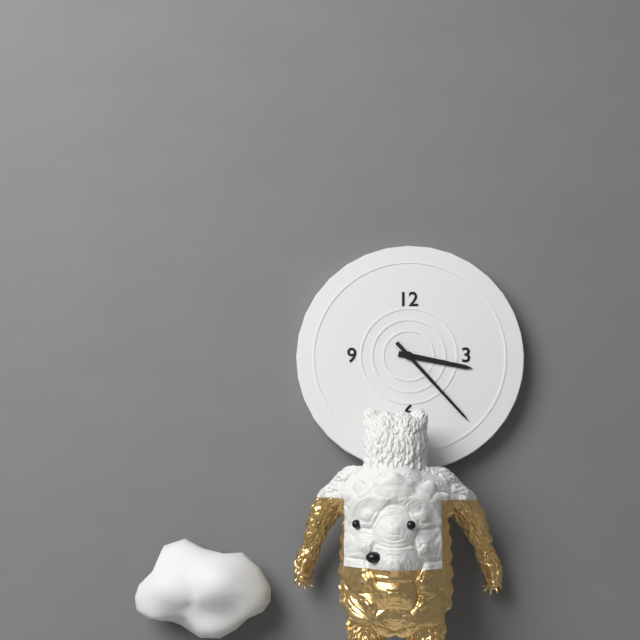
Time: **3:23**
